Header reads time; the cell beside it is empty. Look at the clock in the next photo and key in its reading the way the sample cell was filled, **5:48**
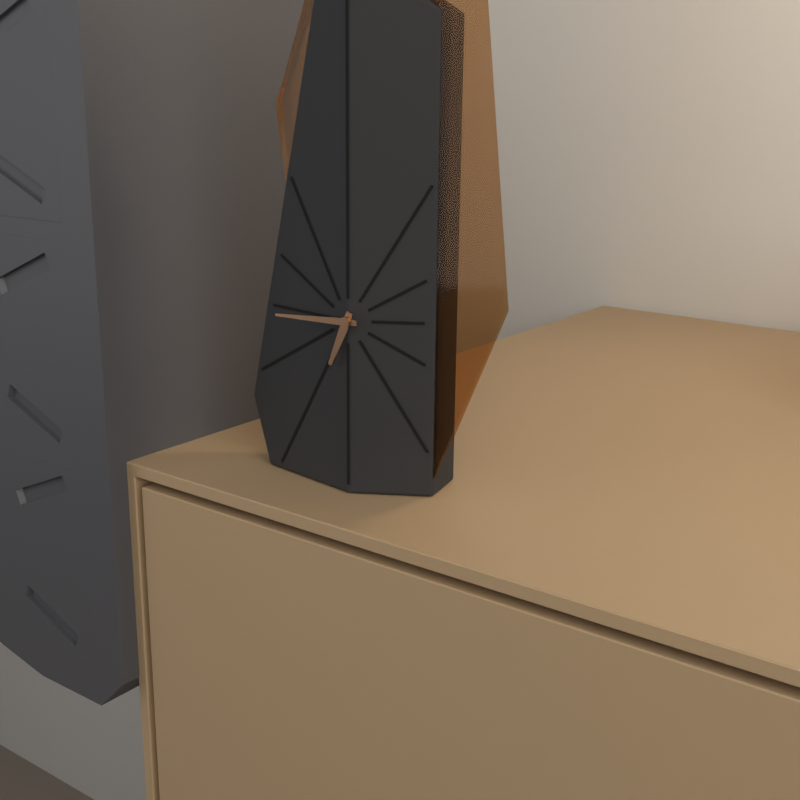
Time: **6:45**
